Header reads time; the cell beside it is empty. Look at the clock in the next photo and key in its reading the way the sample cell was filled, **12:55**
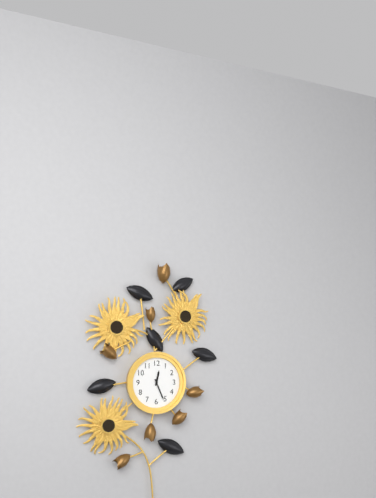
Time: **12:26**
